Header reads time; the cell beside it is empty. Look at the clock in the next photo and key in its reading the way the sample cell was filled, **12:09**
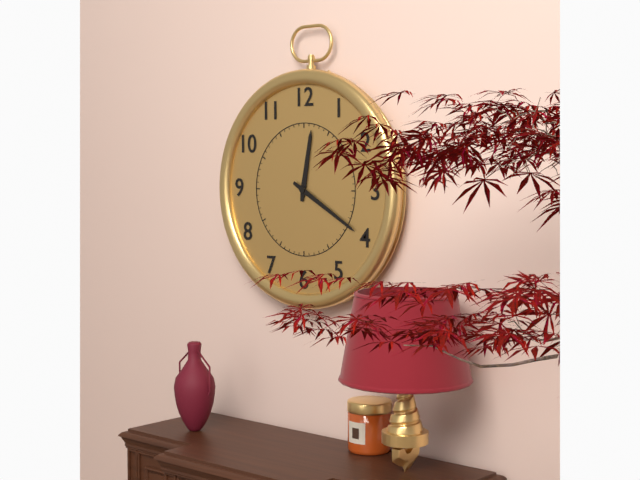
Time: **12:20**
